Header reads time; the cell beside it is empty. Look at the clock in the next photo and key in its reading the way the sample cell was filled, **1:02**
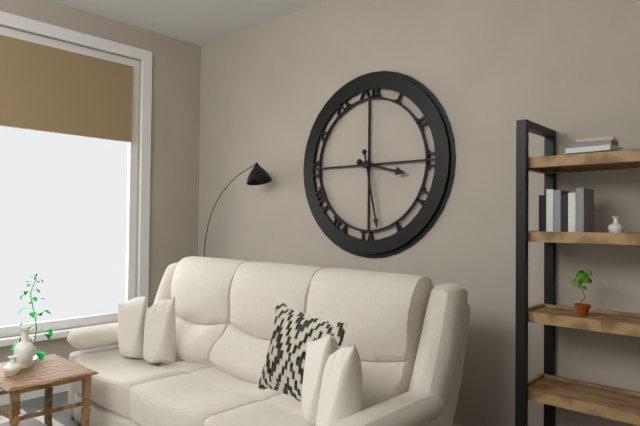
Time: **3:28**
